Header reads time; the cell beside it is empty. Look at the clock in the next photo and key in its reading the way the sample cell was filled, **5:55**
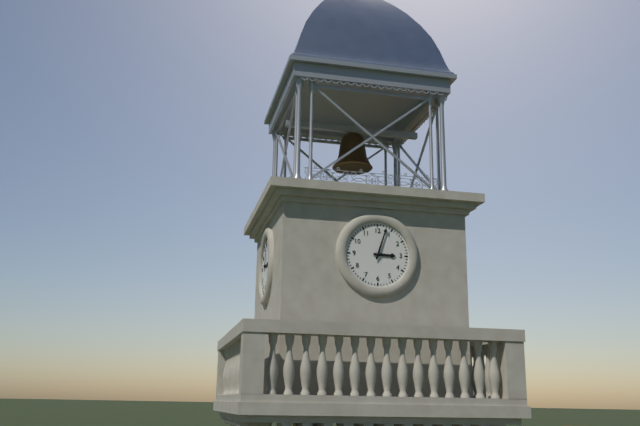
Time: **3:03**
